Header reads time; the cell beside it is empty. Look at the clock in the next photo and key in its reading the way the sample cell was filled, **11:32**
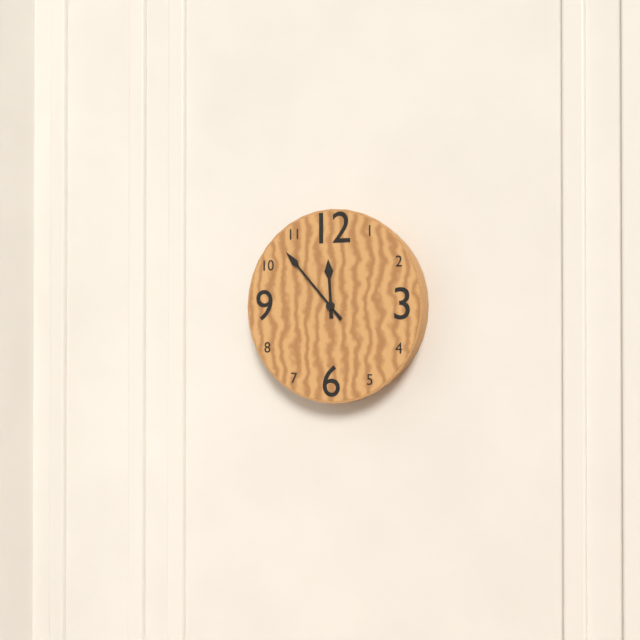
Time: **11:53**
